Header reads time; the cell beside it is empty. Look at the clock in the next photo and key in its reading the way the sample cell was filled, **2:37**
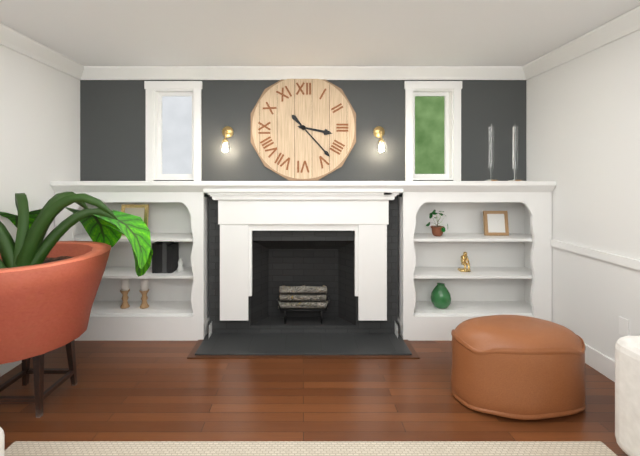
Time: **3:23**
